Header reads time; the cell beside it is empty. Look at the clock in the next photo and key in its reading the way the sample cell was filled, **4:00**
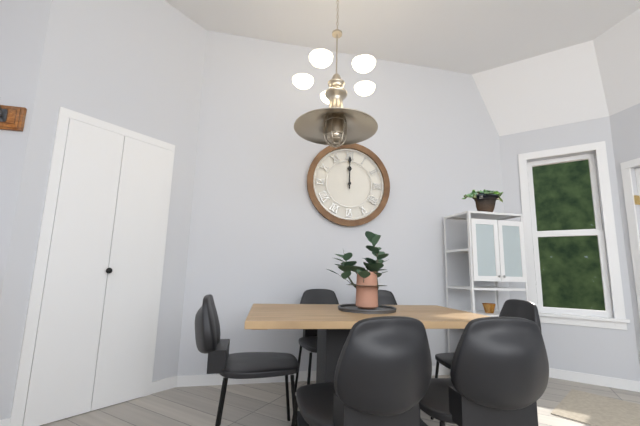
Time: **12:00**
